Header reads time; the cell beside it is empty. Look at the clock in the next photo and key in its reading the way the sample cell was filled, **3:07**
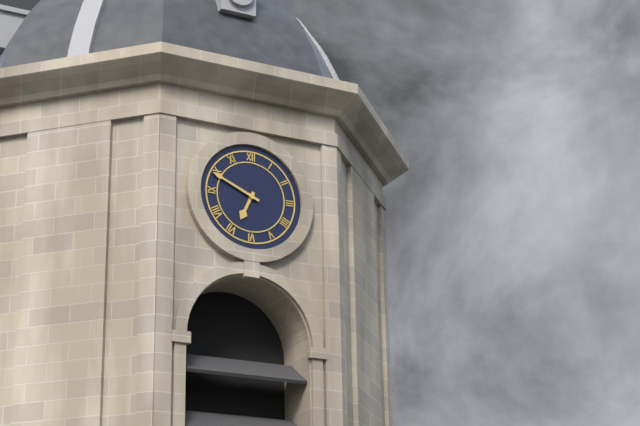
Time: **6:49**
